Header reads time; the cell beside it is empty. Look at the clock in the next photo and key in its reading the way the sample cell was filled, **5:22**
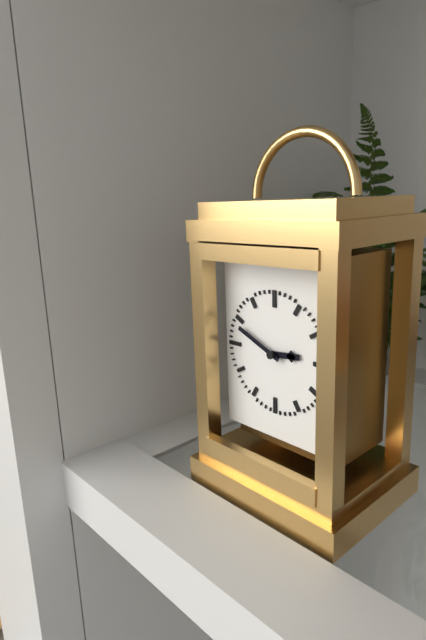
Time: **2:49**
